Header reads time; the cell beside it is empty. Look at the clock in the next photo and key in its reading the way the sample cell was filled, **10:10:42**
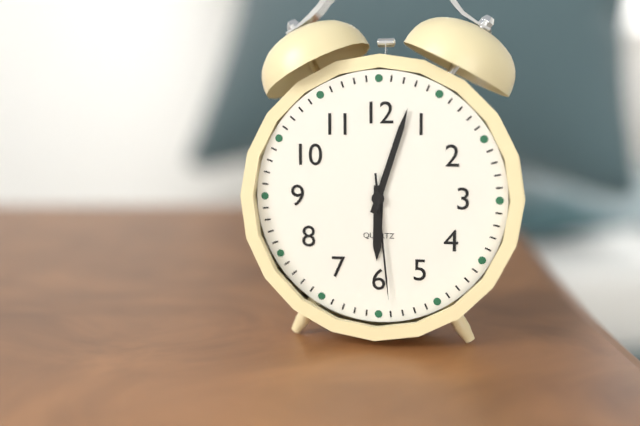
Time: **6:03:29**
